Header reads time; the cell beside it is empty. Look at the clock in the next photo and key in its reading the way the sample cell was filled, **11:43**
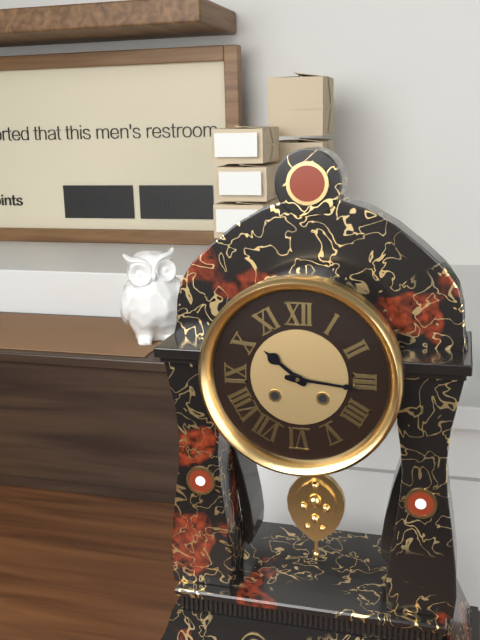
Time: **10:16**
